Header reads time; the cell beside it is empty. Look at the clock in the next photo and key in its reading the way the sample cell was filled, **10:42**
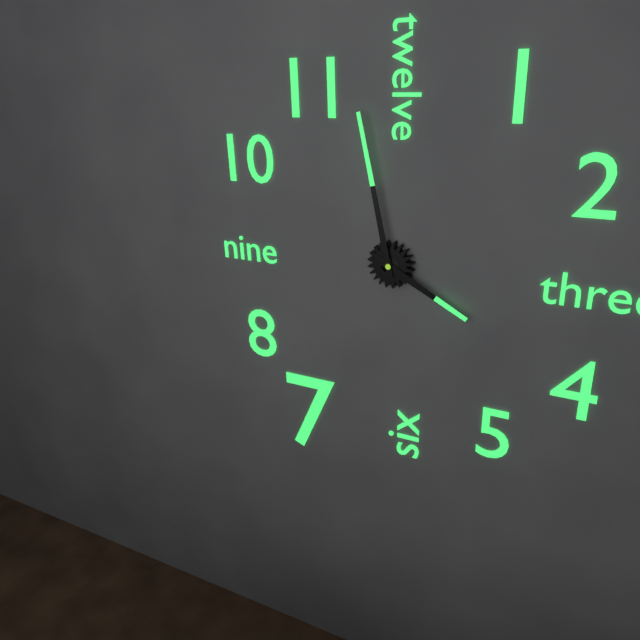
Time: **3:58**
